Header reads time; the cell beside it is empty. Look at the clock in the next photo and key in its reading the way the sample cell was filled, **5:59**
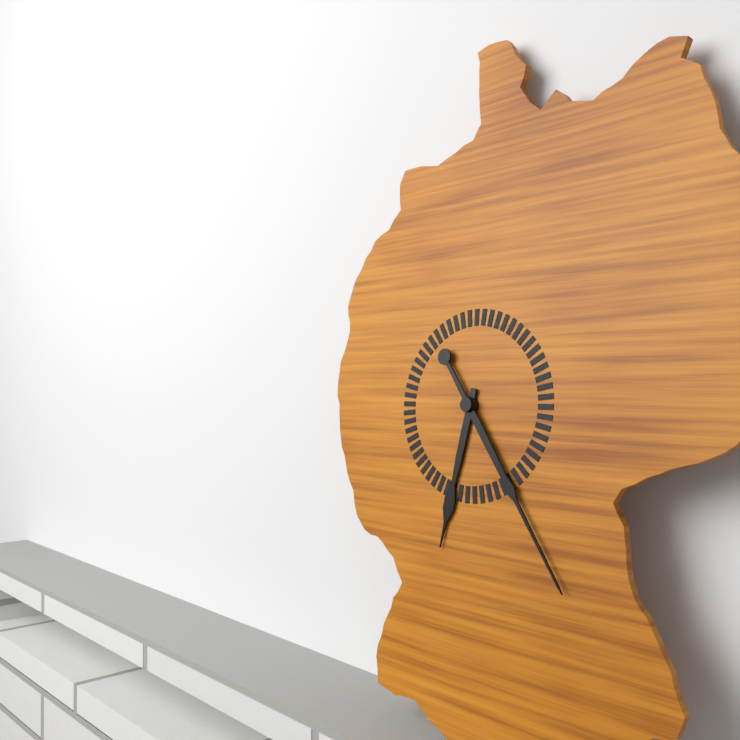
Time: **6:24**
